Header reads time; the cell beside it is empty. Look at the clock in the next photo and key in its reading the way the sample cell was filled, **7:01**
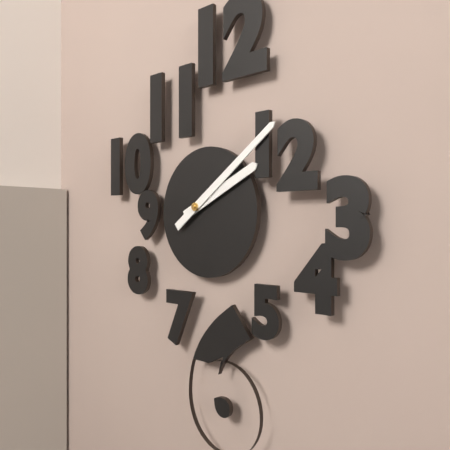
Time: **2:09**
